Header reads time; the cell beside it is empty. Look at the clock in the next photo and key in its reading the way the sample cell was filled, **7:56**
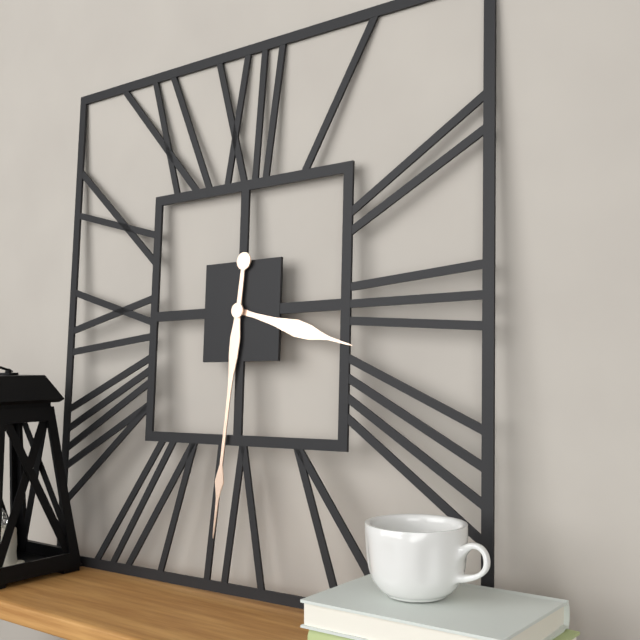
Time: **3:31**
